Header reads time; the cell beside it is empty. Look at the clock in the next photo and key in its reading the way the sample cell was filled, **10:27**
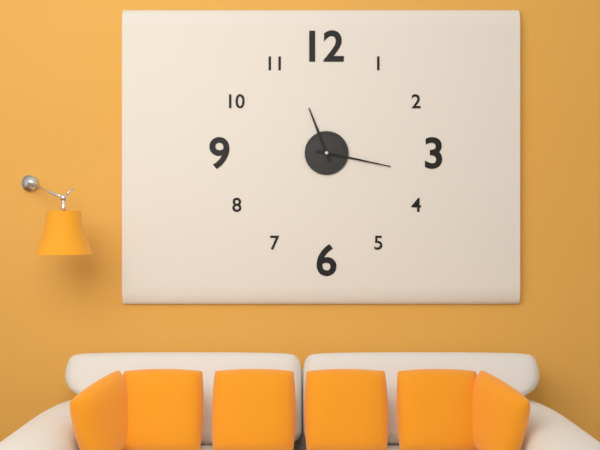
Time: **11:17**
